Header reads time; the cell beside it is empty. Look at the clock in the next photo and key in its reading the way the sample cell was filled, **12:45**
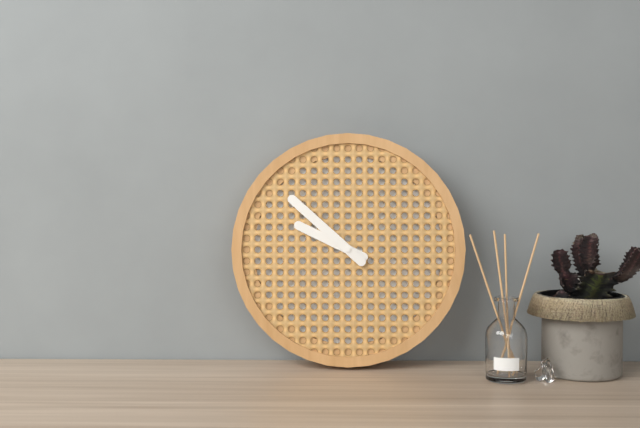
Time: **9:52**
